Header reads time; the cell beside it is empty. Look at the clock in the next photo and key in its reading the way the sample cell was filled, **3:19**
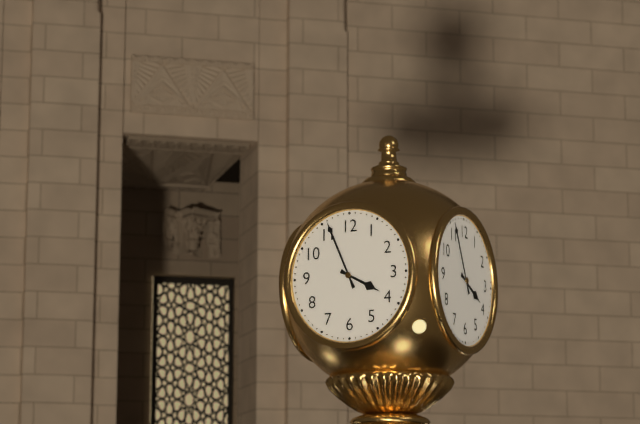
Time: **3:56**
